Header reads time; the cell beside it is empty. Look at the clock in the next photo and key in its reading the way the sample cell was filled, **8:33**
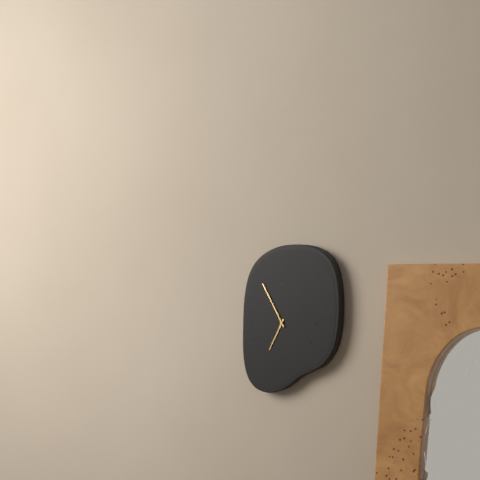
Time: **6:55**
